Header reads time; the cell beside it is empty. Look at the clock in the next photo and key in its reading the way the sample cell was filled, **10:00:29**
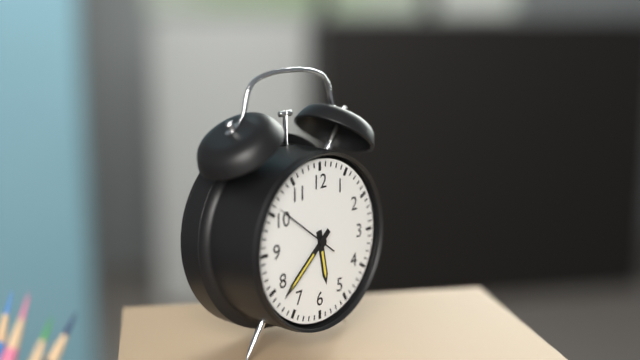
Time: **5:38:51**
